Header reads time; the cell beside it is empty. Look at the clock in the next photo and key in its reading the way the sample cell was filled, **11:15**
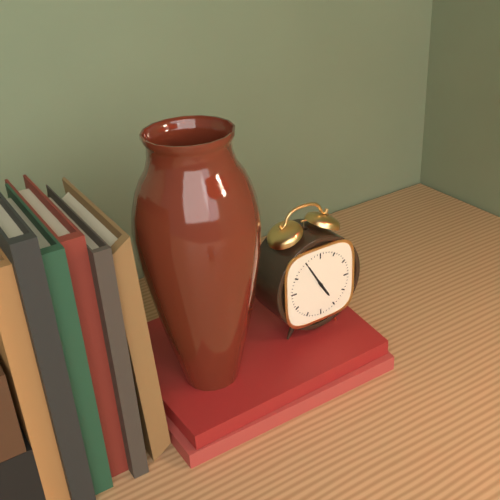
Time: **4:55**
